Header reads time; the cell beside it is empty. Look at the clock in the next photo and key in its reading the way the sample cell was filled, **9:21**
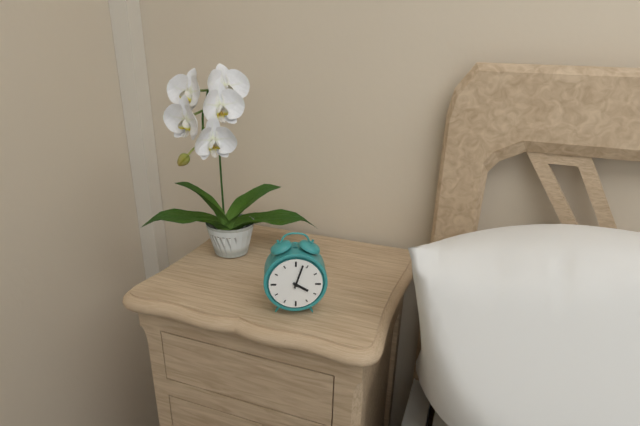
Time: **4:03**
